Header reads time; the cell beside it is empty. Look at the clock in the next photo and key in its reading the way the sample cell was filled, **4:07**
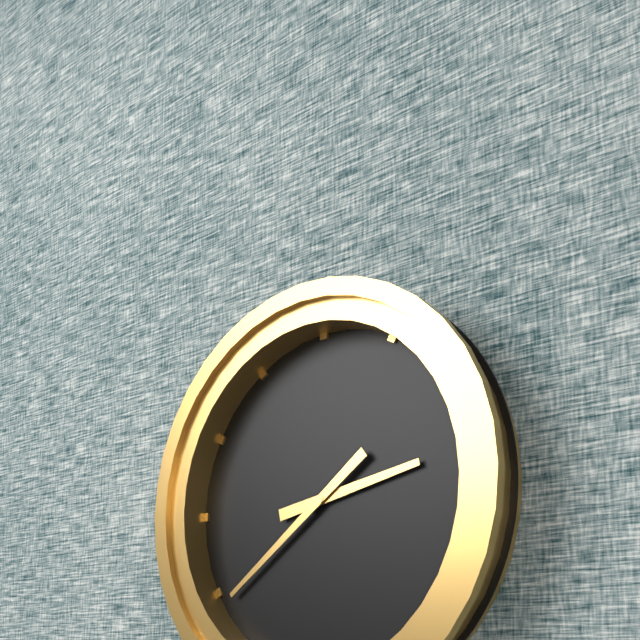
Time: **2:39**
